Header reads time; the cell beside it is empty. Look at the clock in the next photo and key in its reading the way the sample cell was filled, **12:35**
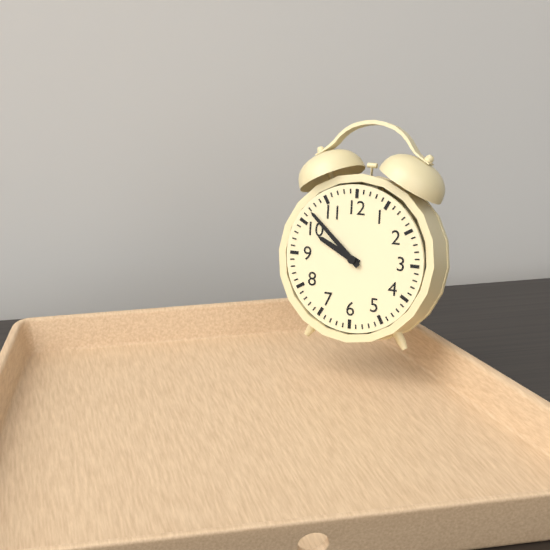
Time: **9:52**
